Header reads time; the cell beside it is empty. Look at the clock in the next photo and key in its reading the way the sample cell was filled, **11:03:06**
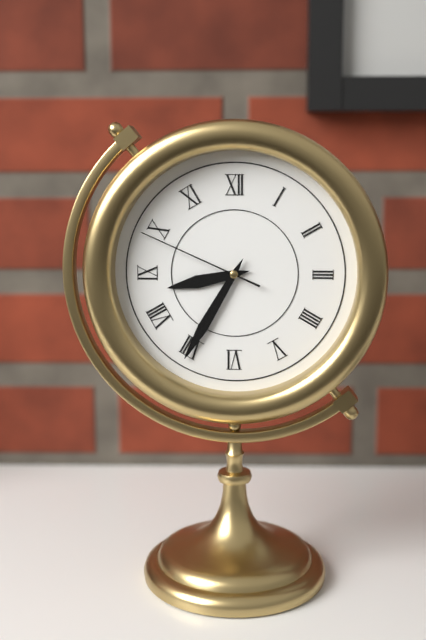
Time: **8:35:49**
